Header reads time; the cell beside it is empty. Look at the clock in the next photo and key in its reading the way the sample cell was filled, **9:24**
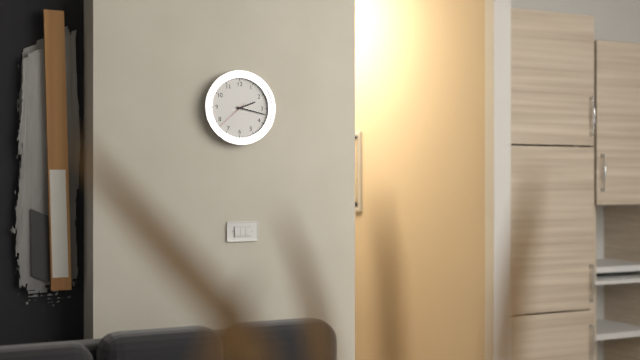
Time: **2:17**
